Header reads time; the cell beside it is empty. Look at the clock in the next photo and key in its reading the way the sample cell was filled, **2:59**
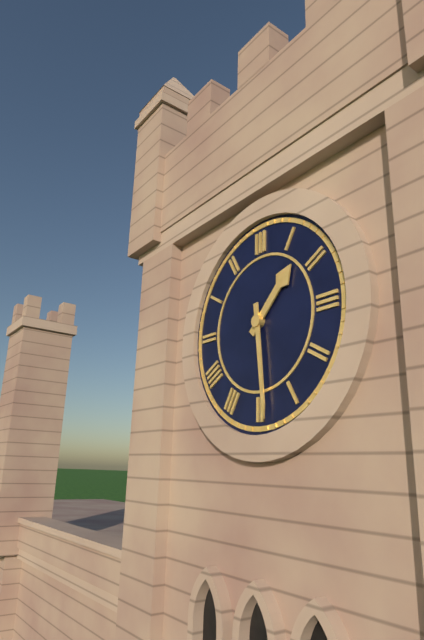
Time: **1:29**
